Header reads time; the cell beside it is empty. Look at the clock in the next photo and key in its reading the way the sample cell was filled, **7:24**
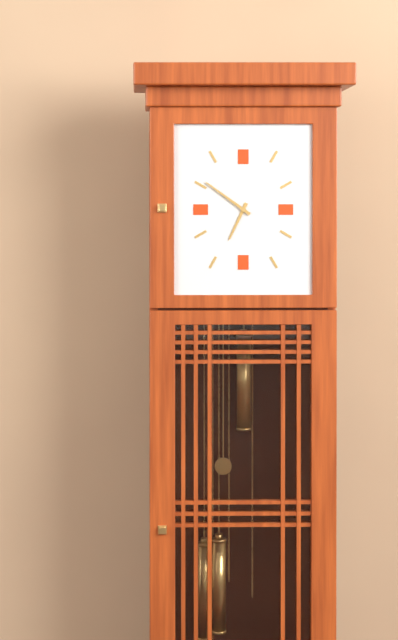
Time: **6:51**
